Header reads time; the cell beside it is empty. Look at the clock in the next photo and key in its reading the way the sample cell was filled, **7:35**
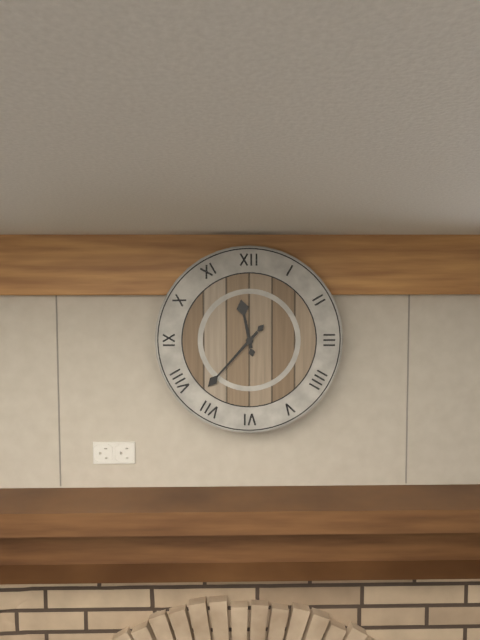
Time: **11:37**
